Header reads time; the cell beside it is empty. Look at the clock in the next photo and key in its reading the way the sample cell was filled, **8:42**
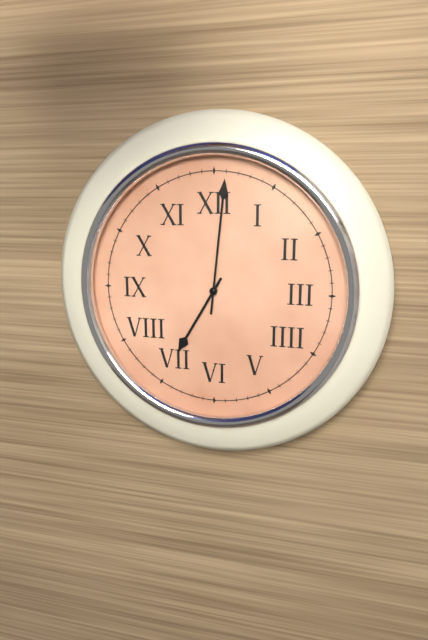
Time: **7:01**
